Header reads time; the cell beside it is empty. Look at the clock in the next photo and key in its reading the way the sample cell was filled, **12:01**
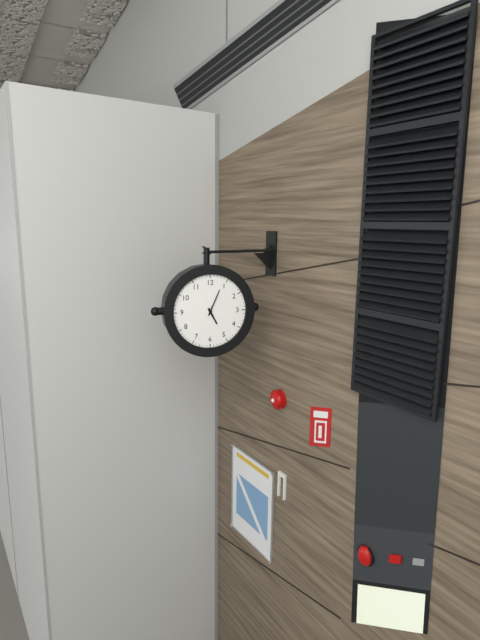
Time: **5:04**
